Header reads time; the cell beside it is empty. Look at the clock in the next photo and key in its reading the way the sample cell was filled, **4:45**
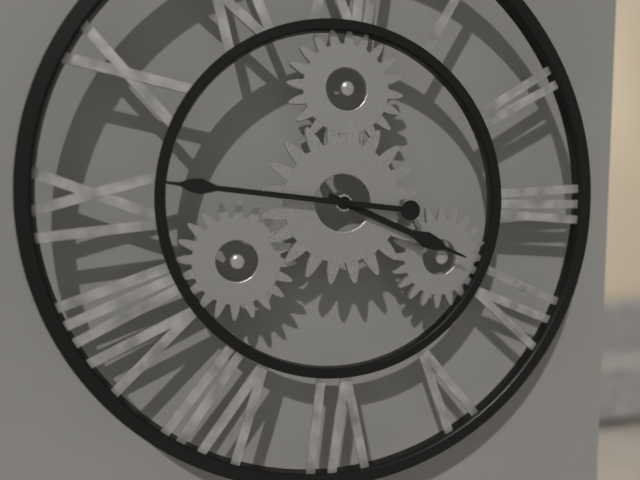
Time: **3:46**
